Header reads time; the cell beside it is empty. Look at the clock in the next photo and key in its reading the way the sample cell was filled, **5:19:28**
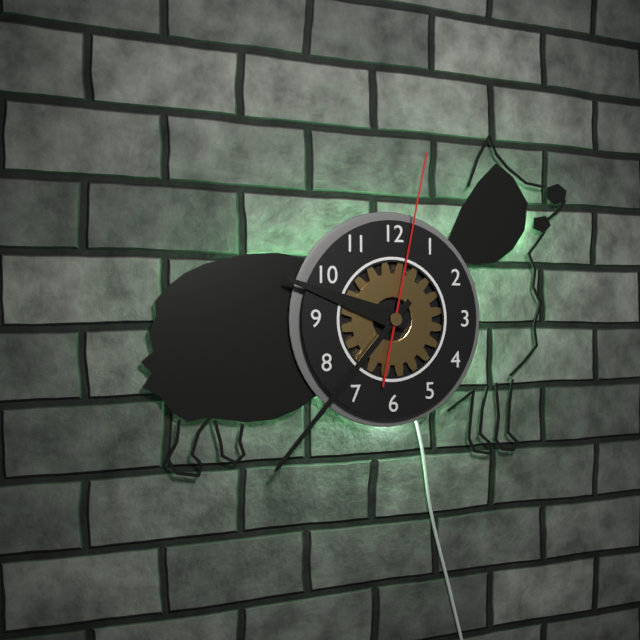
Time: **9:37:02**
